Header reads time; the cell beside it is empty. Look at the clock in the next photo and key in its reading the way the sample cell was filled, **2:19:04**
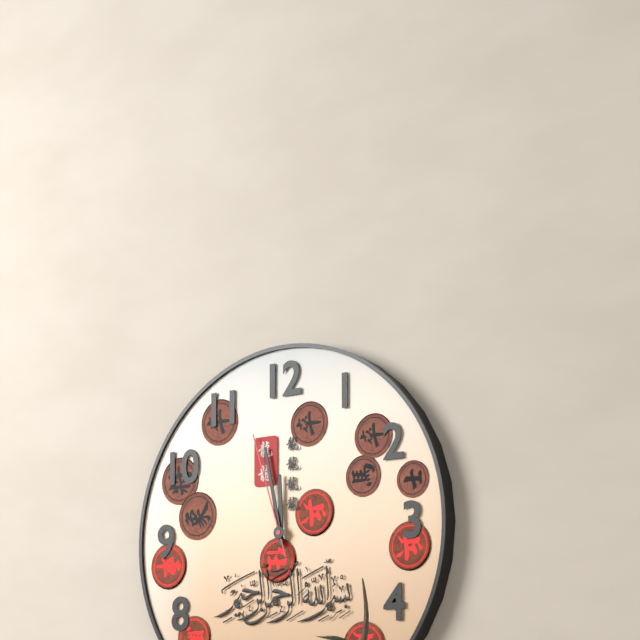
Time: **11:58:57**
